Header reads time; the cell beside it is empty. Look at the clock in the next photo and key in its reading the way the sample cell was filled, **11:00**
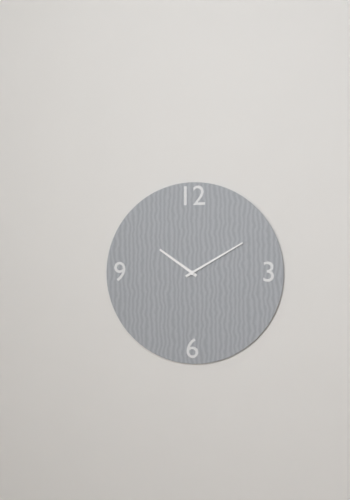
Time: **10:10**
